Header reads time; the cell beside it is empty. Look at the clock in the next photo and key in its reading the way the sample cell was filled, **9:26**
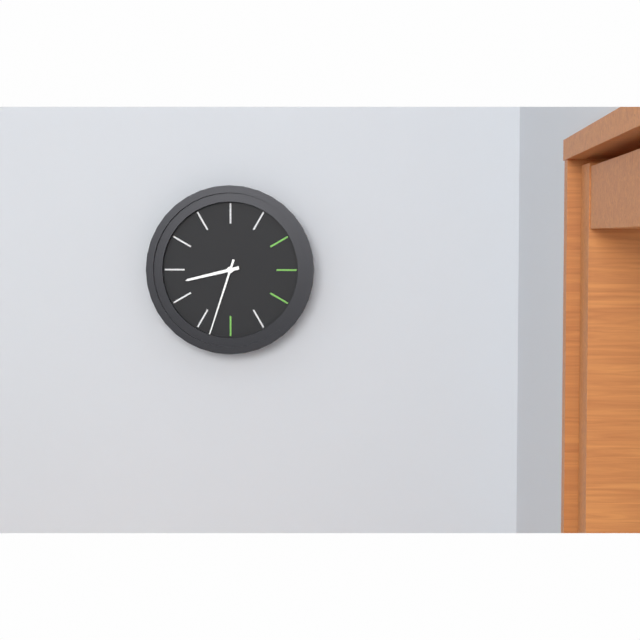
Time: **8:33**
